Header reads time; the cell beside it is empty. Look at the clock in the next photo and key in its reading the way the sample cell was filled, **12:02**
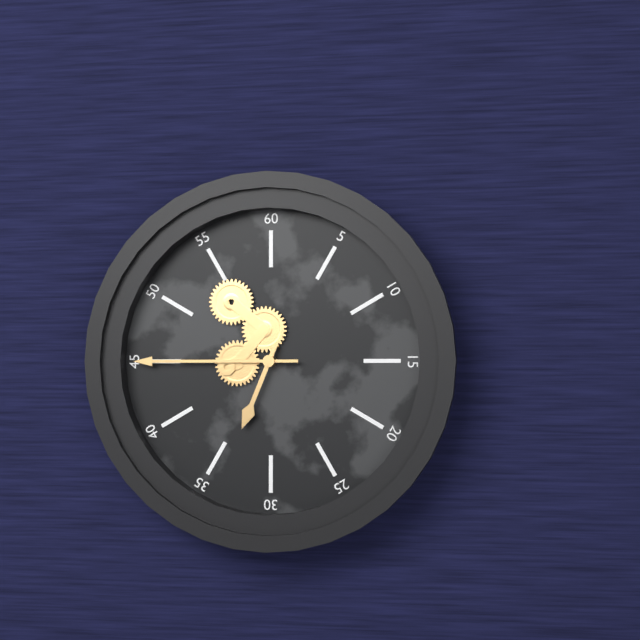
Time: **6:45**
